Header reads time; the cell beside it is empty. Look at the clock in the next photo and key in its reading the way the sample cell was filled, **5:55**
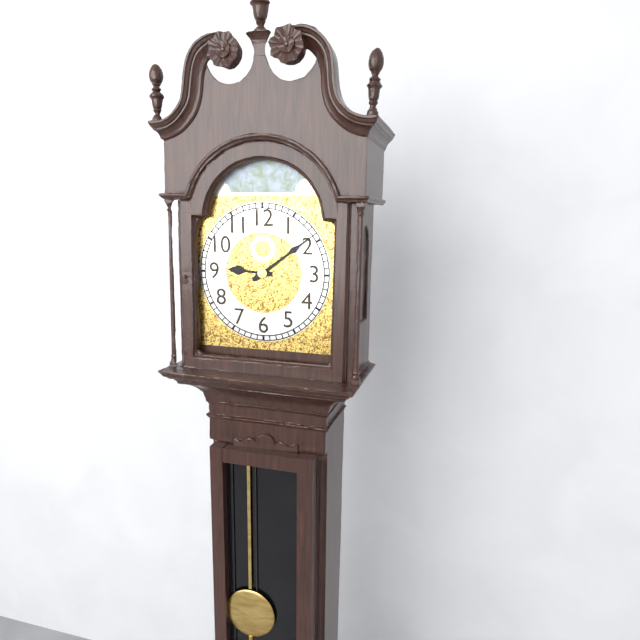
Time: **9:09**
